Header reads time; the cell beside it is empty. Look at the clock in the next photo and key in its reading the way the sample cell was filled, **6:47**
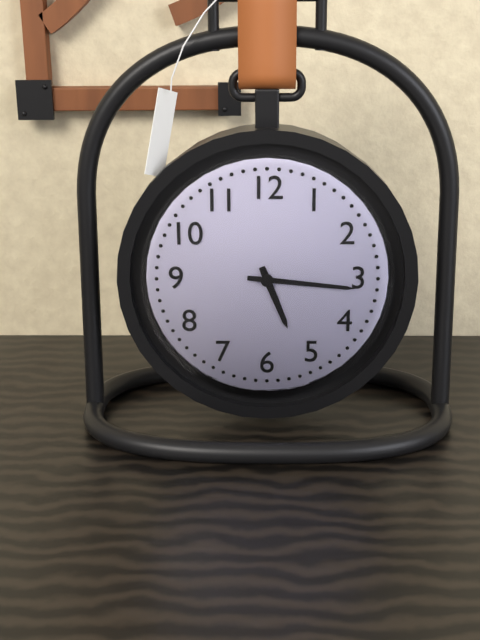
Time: **5:16**
